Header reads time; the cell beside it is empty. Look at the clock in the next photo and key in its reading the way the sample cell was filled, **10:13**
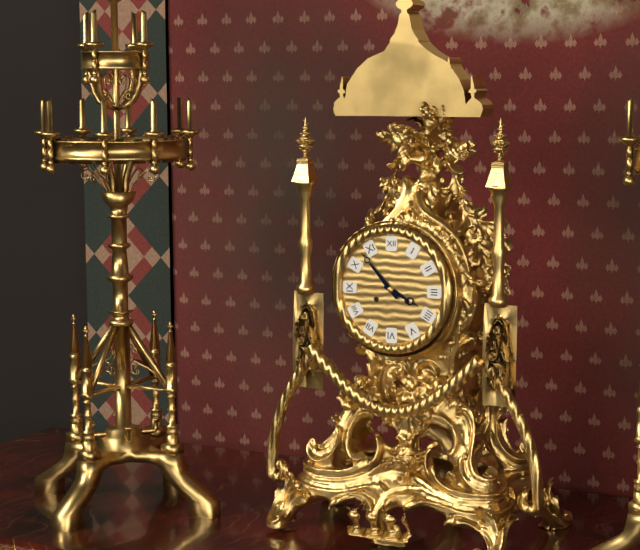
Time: **3:53**
